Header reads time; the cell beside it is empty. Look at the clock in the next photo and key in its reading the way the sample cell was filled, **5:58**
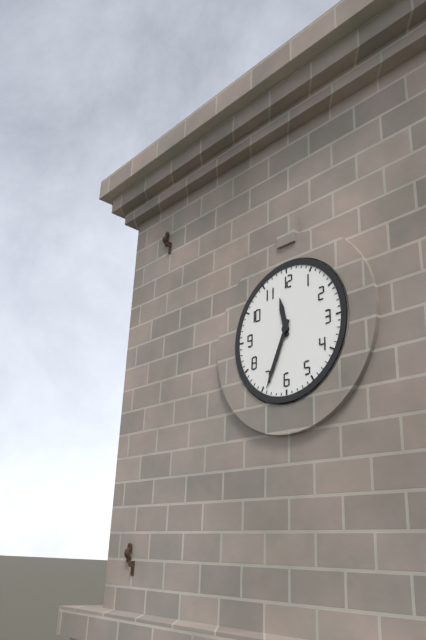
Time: **11:34**
